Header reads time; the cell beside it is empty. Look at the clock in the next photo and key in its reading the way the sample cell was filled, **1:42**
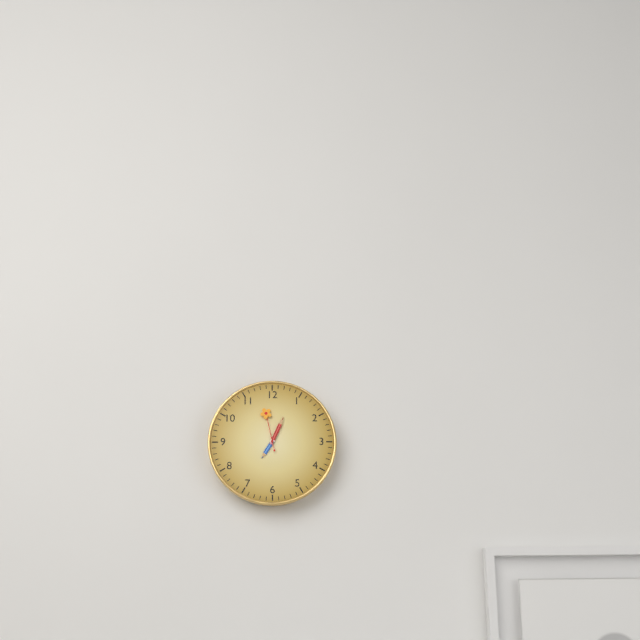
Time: **7:04**
